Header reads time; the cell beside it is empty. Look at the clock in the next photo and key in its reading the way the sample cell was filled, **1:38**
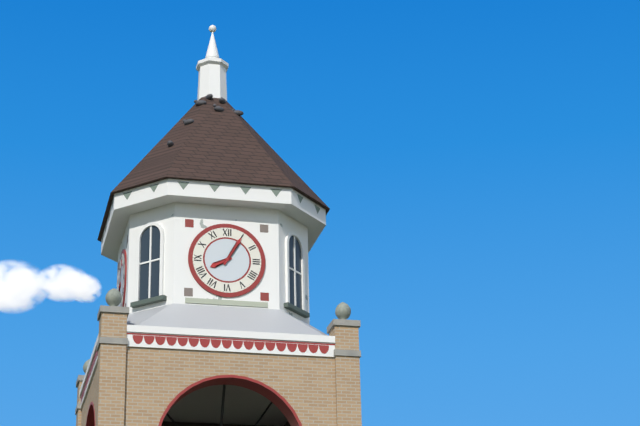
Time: **8:05**
